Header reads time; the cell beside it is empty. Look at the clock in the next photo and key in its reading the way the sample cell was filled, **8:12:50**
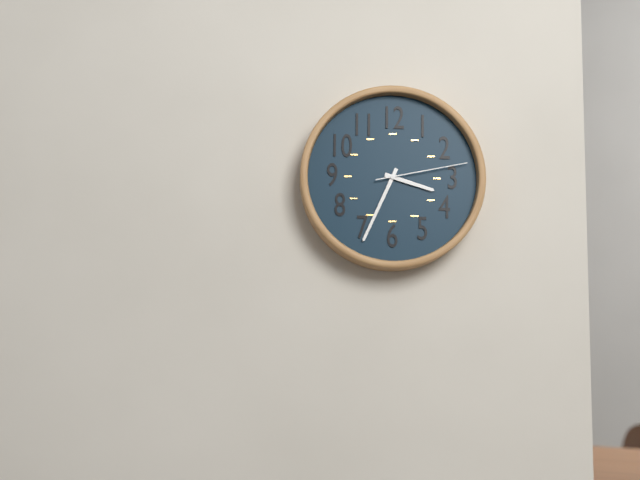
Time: **3:34:13**
